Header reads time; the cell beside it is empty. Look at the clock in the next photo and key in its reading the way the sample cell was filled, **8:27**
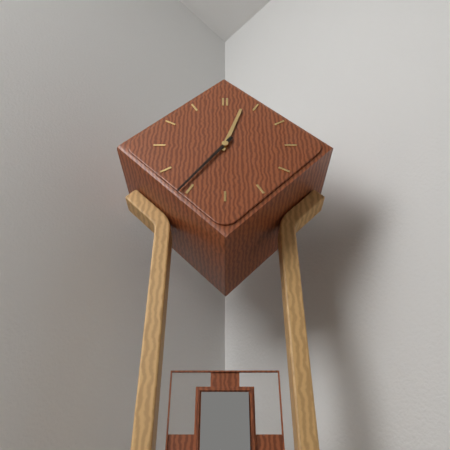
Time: **12:36**
